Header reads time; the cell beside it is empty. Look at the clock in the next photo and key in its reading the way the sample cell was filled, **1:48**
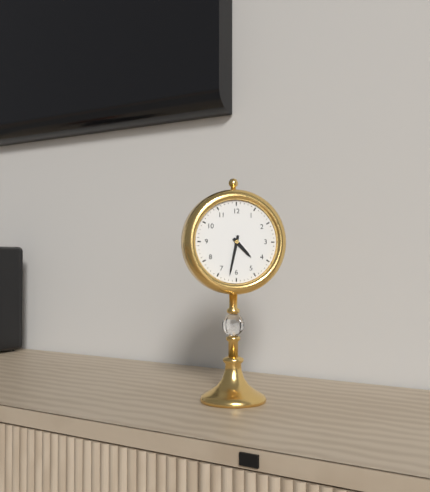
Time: **4:32**
